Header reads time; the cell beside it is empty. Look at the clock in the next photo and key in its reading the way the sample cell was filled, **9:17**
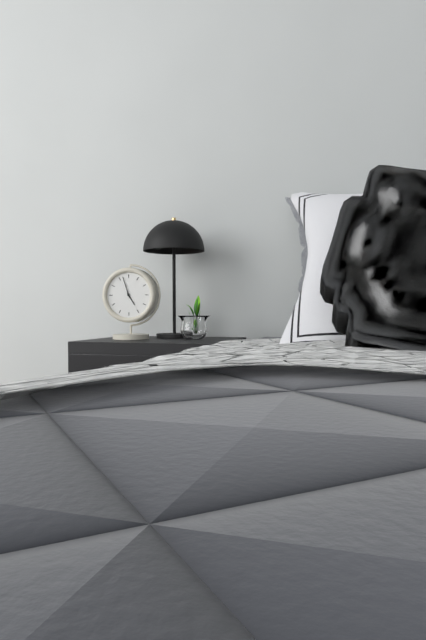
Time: **4:57**
